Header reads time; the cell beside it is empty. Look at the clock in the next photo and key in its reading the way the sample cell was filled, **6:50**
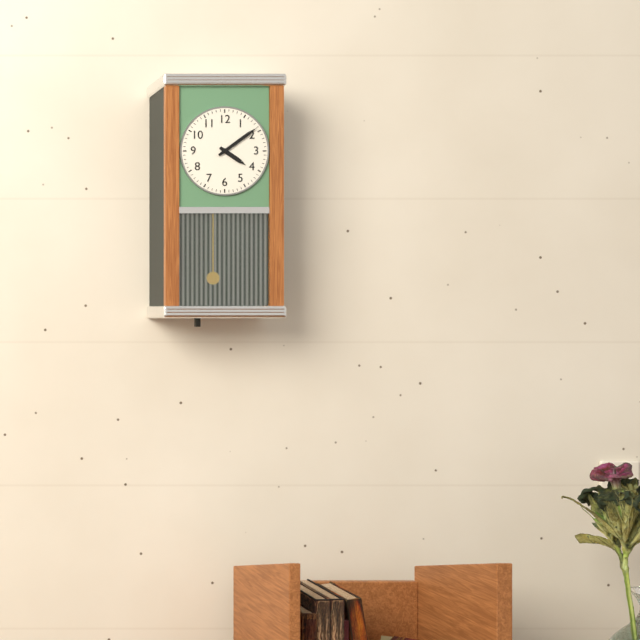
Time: **4:09**
